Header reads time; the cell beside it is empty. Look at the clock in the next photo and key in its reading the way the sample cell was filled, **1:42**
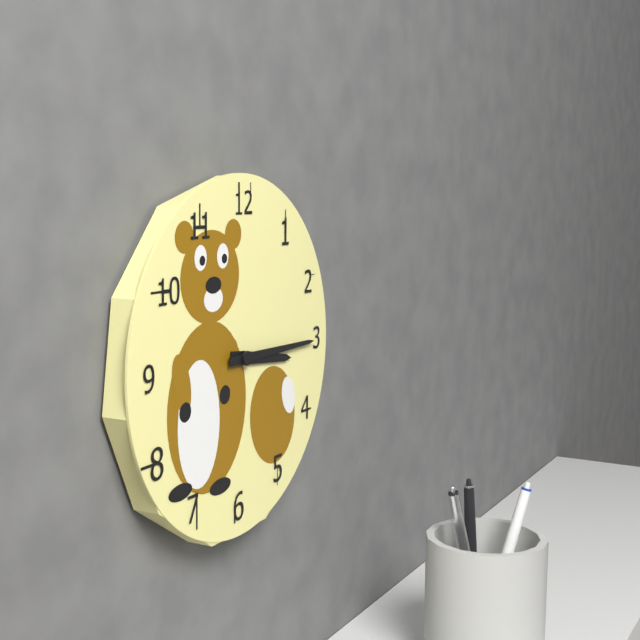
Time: **3:15**
